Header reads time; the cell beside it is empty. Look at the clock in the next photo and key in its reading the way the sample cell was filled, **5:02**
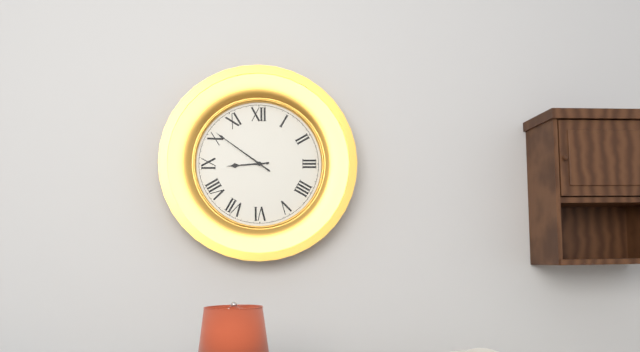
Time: **8:51**
